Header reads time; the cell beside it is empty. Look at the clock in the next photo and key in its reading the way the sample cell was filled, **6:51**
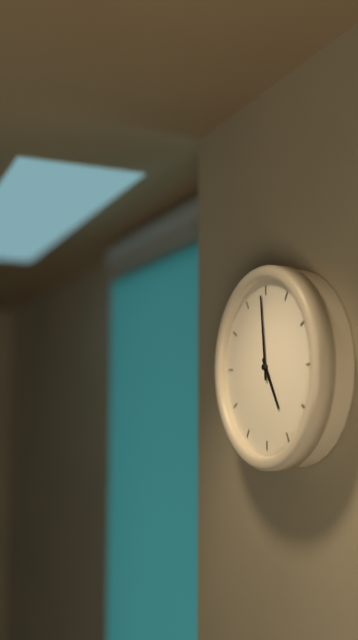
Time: **4:59**
